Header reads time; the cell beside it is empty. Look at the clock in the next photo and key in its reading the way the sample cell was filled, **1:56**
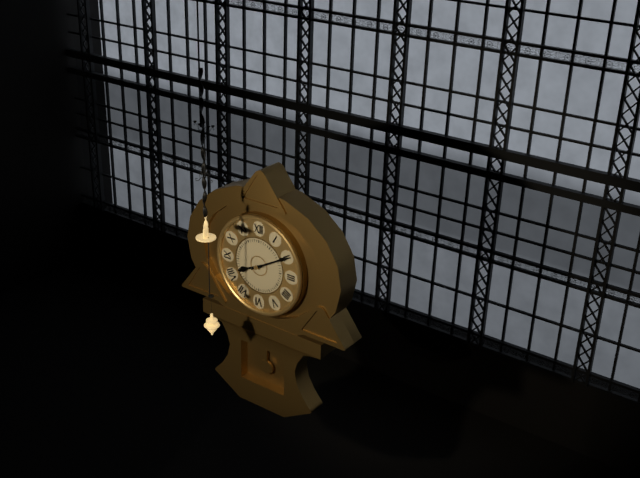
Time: **8:10**
